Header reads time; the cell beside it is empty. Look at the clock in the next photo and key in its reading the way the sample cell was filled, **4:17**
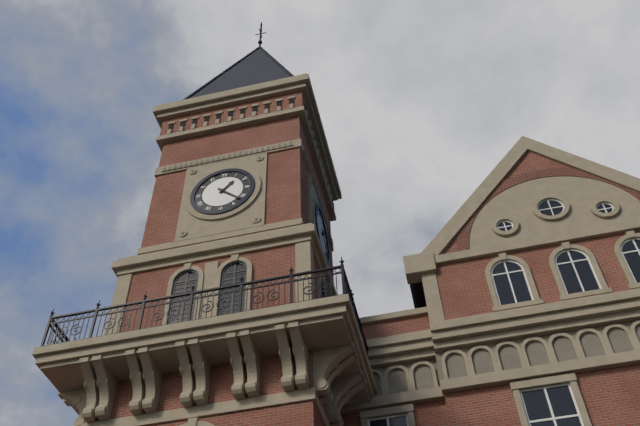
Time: **1:22**
